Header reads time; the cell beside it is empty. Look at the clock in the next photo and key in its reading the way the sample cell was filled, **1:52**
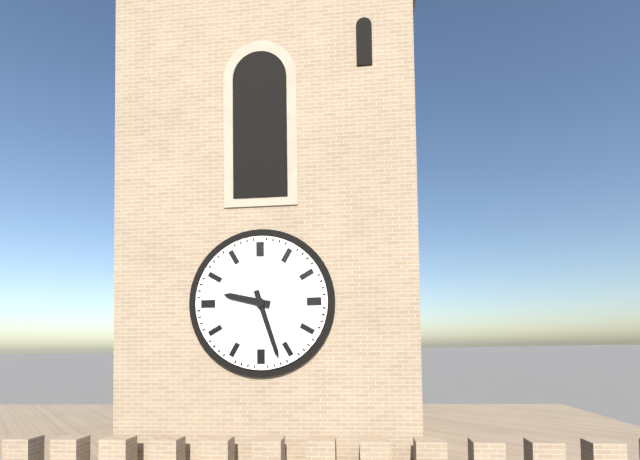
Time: **9:27**
